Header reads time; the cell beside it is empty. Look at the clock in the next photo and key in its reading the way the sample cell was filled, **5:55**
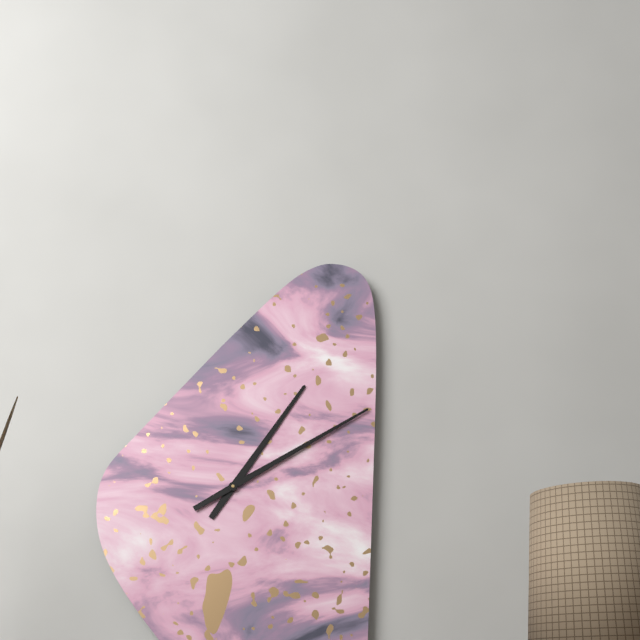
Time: **1:10**
